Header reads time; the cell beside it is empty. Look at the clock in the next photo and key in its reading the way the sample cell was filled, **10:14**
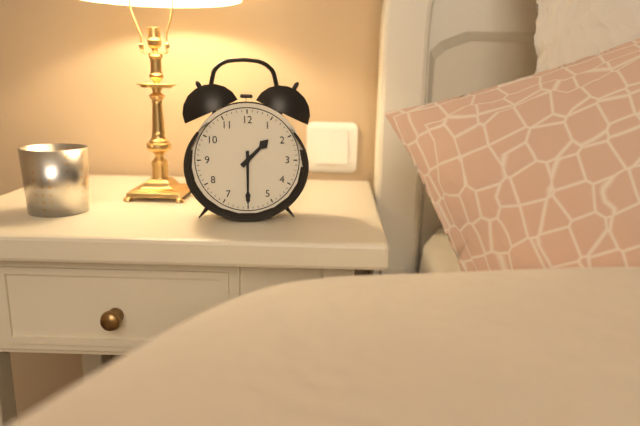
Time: **1:30**
